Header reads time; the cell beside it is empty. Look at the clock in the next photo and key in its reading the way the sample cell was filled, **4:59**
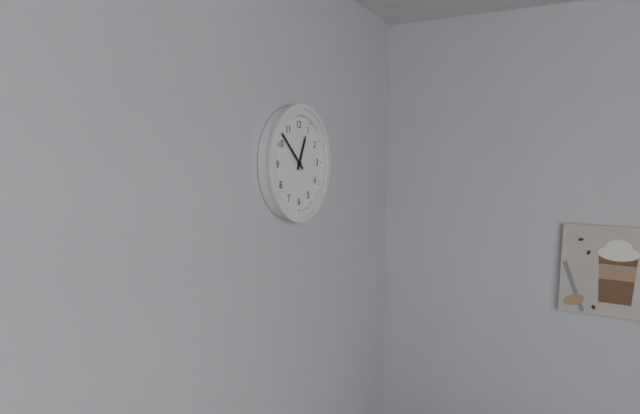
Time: **12:52**
